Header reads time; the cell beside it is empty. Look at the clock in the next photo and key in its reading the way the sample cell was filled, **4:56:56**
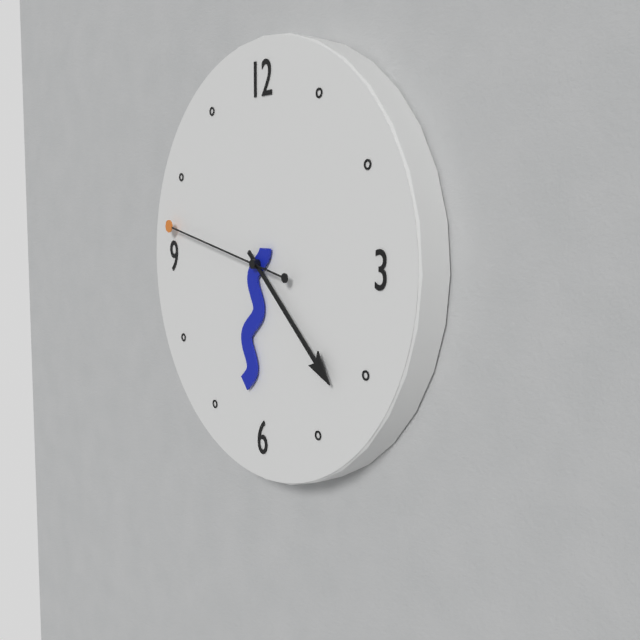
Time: **6:22:47**
